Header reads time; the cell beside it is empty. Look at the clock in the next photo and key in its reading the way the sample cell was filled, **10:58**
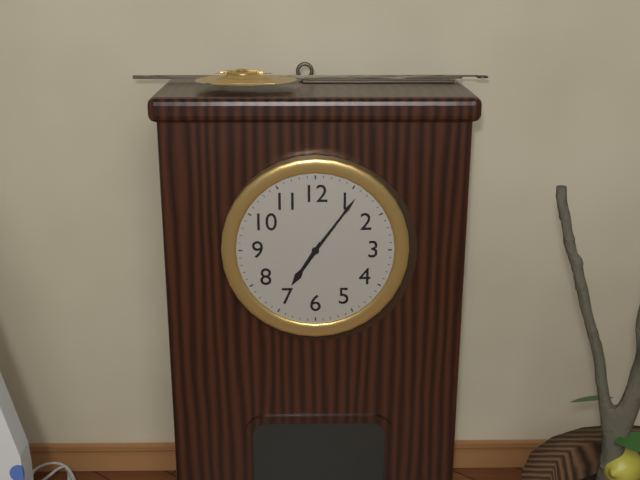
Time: **7:06**
